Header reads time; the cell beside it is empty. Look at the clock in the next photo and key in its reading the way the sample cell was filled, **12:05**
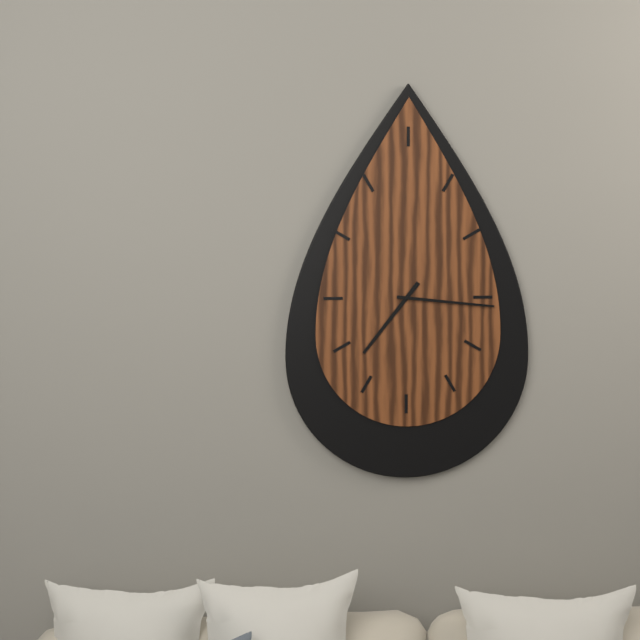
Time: **7:16**
